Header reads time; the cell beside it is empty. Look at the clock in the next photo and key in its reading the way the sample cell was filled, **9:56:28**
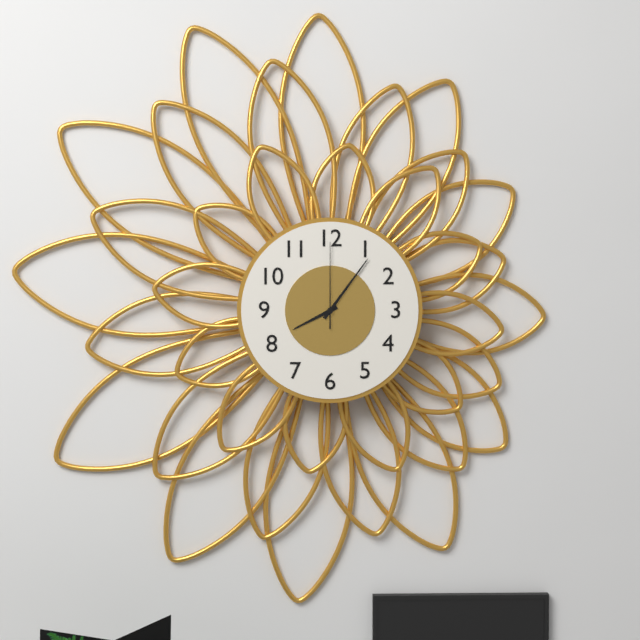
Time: **8:06:00**
